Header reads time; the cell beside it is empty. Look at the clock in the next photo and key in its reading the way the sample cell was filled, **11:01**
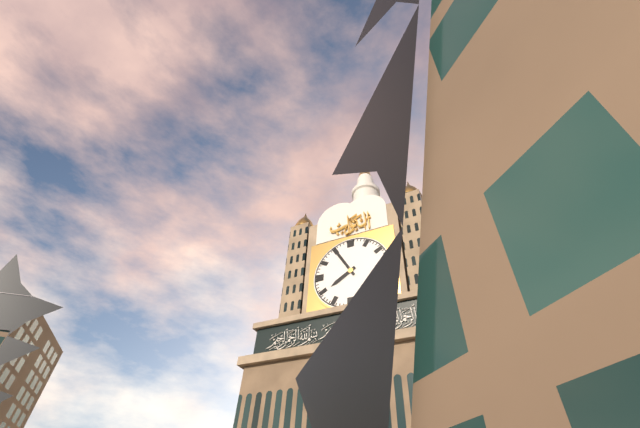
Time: **7:55**
